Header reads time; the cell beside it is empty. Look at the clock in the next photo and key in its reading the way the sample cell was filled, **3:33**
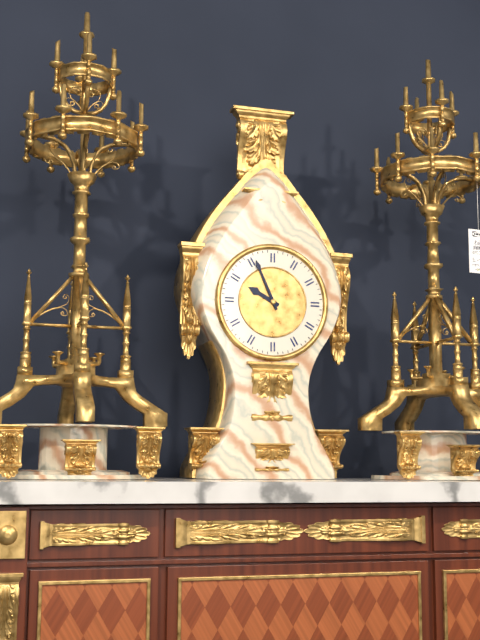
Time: **9:56**
